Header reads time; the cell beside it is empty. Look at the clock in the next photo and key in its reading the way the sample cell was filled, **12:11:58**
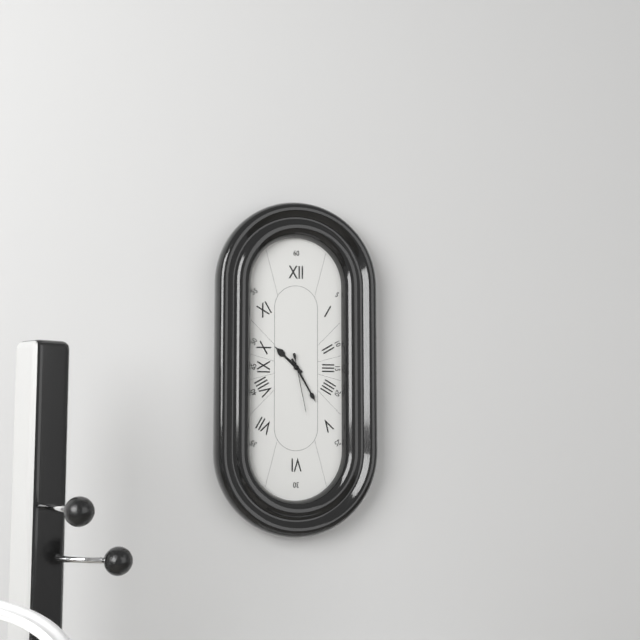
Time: **10:25:28**
